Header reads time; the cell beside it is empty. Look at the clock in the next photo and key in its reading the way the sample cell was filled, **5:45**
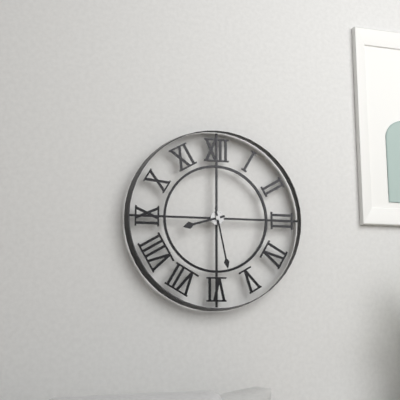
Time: **8:28**
